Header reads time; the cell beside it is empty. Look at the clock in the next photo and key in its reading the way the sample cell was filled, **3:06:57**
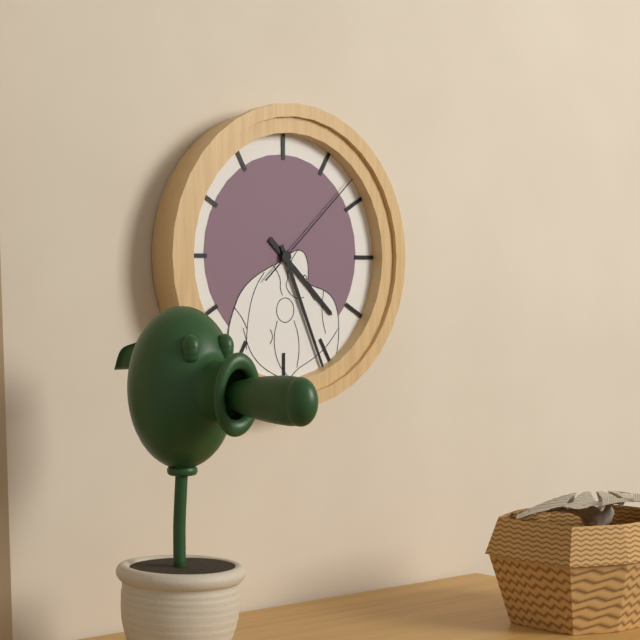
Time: **4:26:08**
